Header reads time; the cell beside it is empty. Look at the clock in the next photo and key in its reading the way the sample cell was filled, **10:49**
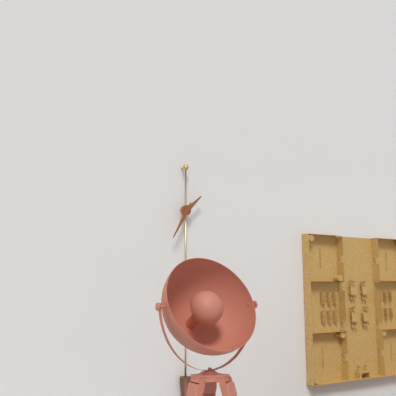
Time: **1:35**
